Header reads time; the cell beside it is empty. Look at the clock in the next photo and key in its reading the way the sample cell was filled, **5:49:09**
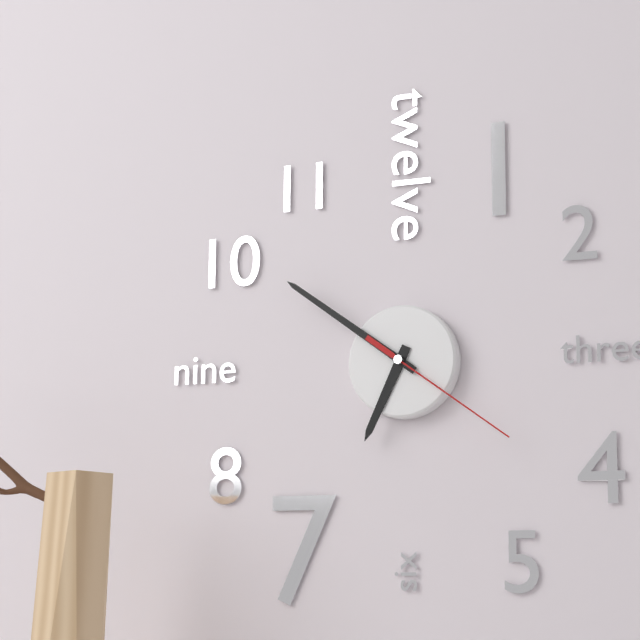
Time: **6:51:21**
